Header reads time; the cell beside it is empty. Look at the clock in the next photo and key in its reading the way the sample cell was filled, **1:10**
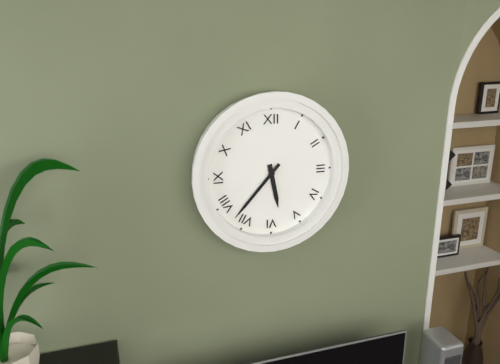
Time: **5:37**
